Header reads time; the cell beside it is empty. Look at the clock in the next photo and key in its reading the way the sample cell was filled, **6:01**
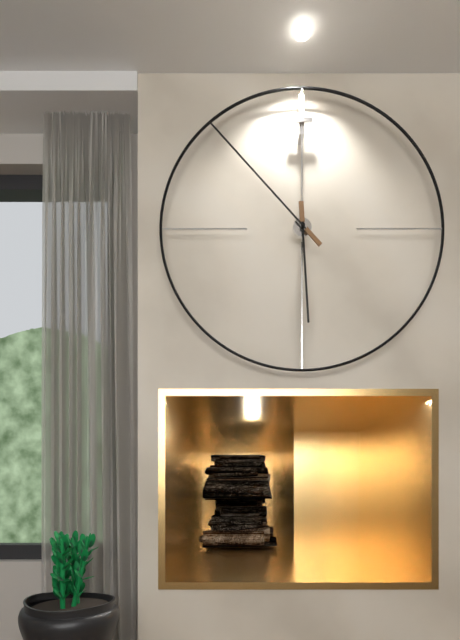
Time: **5:53**
